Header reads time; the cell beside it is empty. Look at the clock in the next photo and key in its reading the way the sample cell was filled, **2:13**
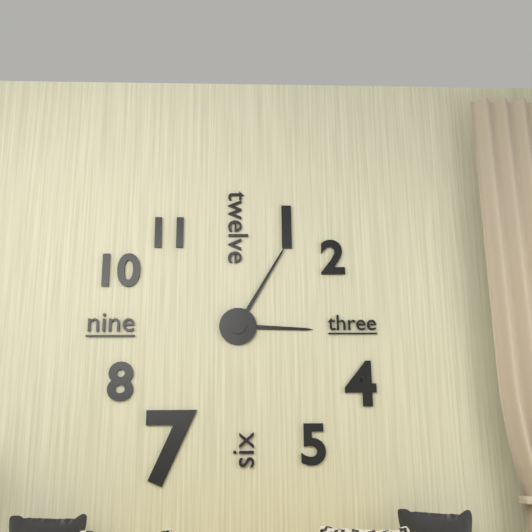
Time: **3:05**
